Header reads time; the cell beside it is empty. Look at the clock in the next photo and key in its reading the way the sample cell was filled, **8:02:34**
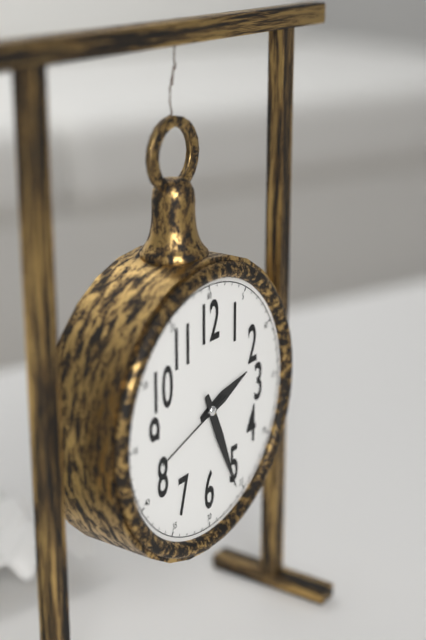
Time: **2:26:42**
